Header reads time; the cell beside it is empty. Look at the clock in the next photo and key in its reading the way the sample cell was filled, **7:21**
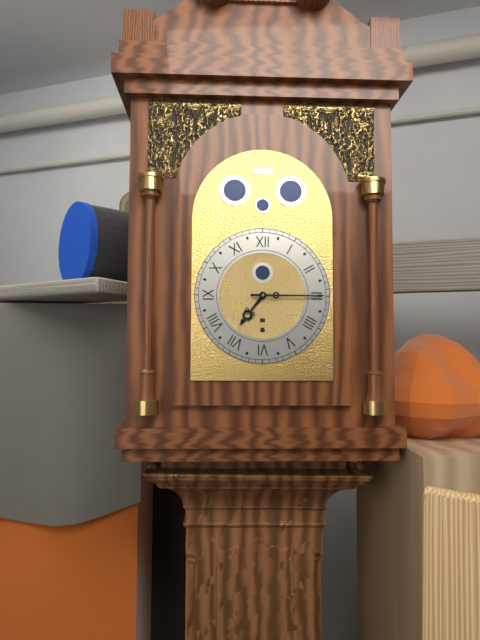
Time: **7:15**
